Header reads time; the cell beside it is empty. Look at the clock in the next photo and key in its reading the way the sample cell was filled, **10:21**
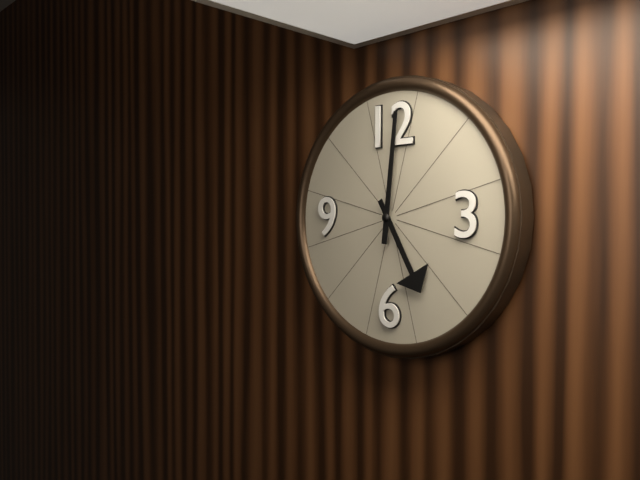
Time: **5:01**
